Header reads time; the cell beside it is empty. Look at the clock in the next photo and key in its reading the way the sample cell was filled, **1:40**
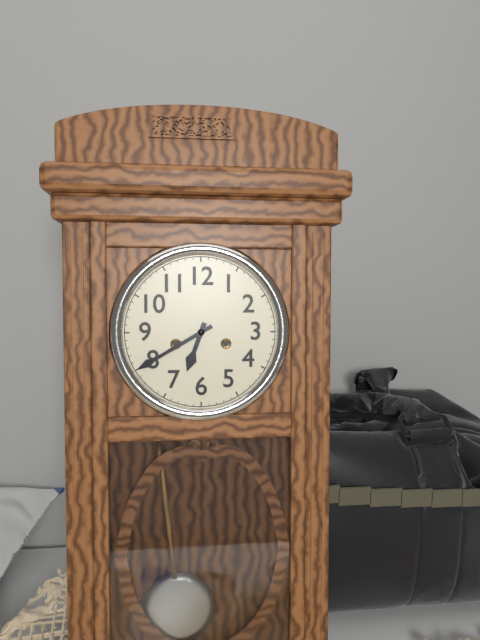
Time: **6:40**
